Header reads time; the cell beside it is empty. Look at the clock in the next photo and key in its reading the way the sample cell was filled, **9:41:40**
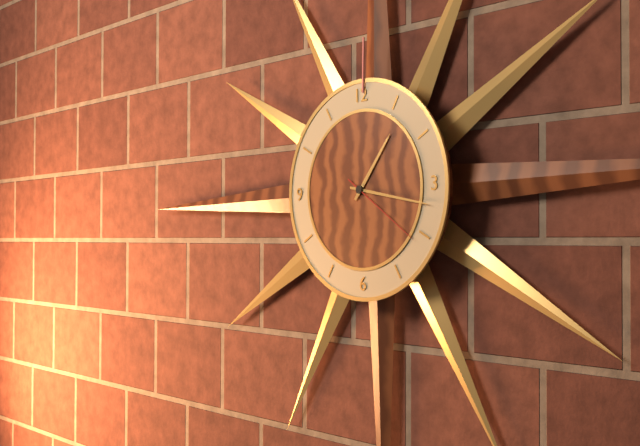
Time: **1:17:21**
